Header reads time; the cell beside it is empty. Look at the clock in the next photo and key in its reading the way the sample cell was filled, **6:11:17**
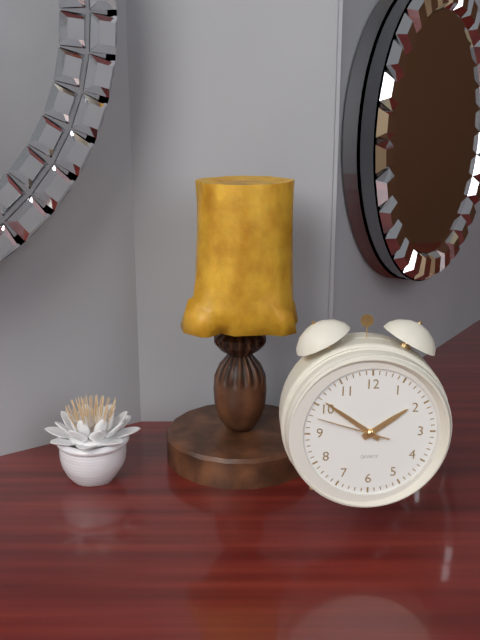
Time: **1:51:48**
